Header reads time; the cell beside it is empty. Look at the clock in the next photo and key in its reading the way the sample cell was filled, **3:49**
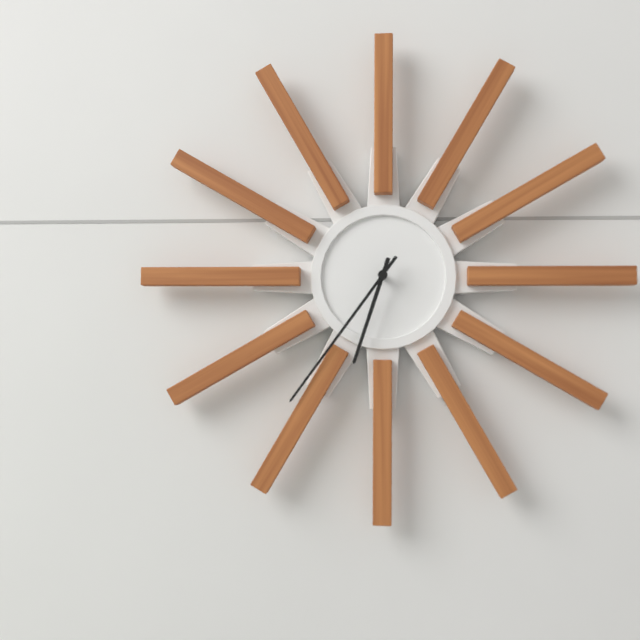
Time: **6:36**
